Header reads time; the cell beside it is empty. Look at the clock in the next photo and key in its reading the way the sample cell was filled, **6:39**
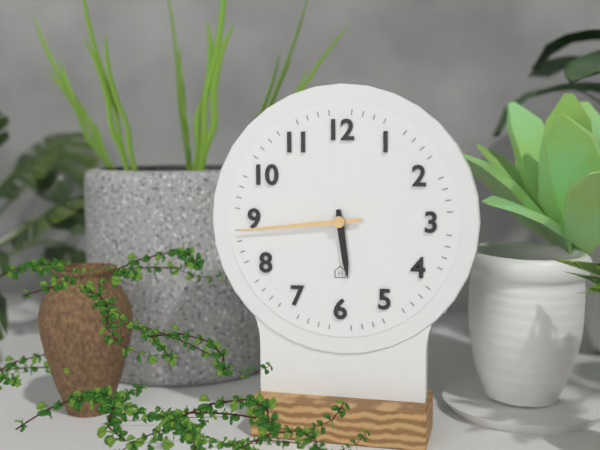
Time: **5:44**
